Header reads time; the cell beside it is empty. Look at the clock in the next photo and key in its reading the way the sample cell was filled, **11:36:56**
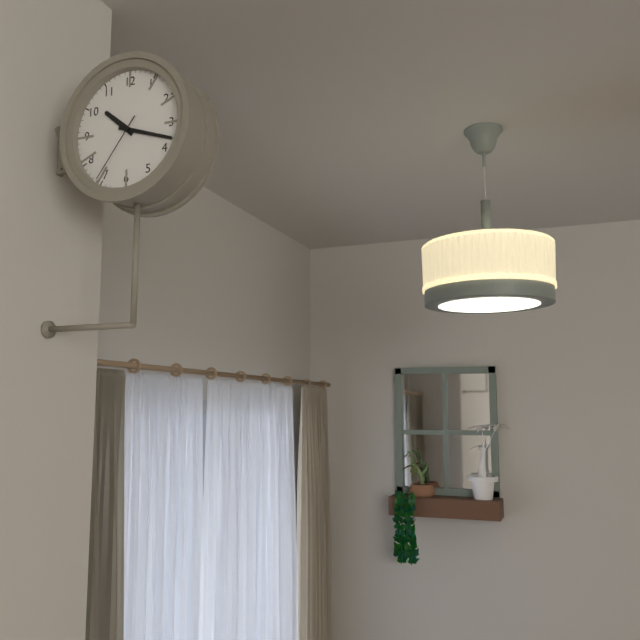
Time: **10:18:36**
